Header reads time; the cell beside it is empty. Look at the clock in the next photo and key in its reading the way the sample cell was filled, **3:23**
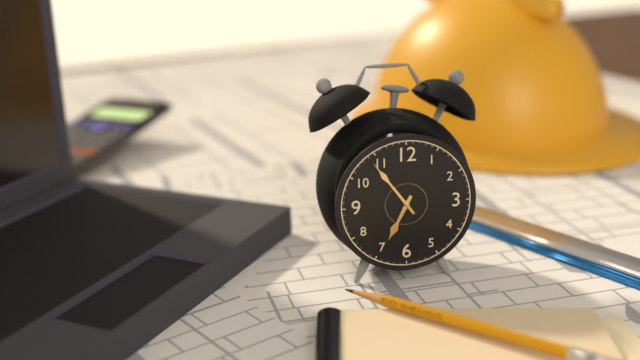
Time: **6:54**
